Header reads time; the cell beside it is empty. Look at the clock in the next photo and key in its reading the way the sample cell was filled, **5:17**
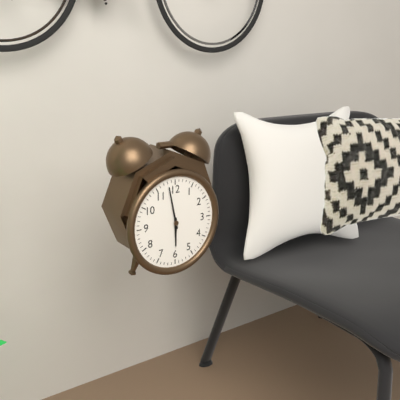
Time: **5:58**
